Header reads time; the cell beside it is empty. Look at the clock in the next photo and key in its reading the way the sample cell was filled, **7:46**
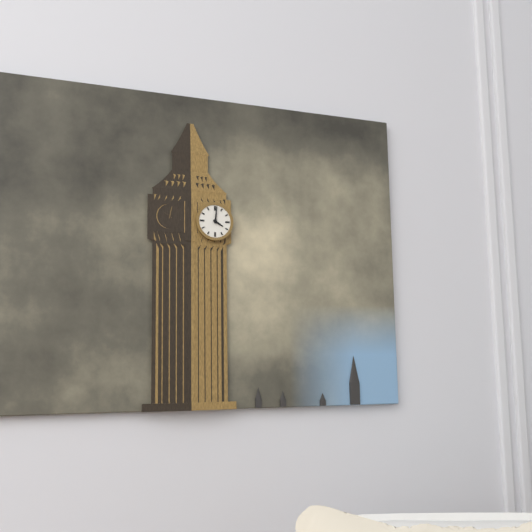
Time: **4:01**
